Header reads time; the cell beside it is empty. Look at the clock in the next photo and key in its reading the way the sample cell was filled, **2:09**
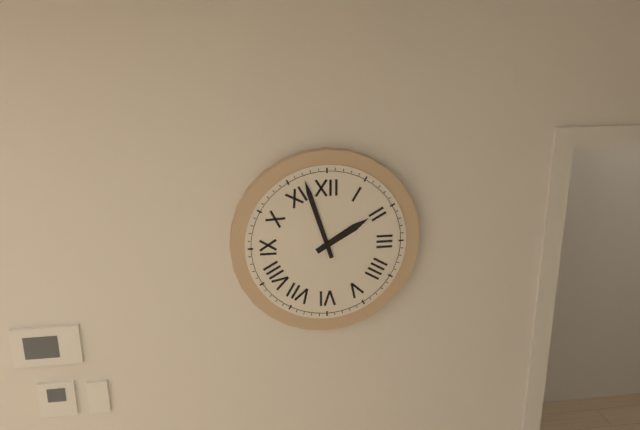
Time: **1:57**
